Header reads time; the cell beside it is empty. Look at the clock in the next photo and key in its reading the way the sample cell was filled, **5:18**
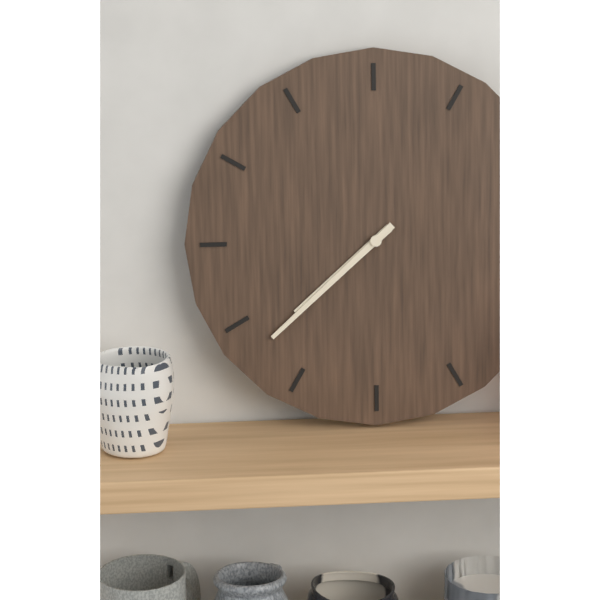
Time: **7:38**
